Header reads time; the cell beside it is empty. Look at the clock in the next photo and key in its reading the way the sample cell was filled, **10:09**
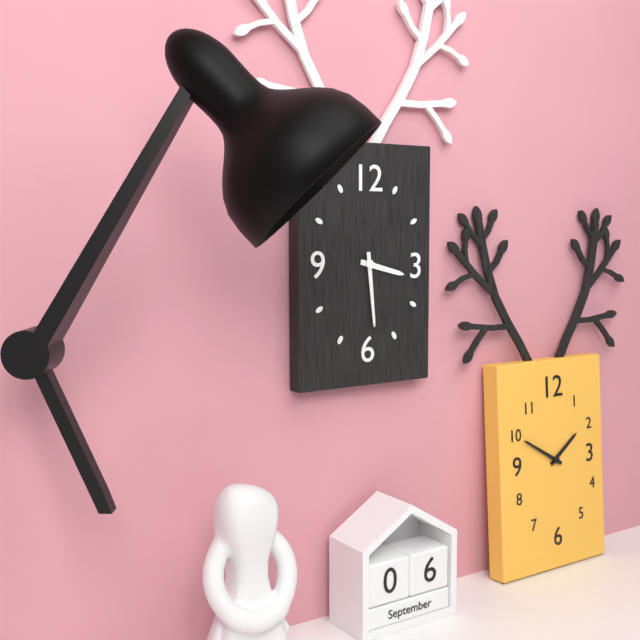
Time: **3:29**
